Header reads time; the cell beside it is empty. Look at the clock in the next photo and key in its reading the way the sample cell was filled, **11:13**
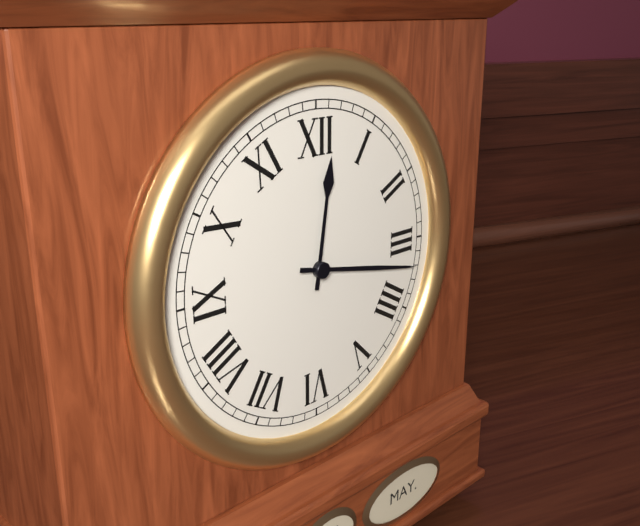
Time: **12:17**
